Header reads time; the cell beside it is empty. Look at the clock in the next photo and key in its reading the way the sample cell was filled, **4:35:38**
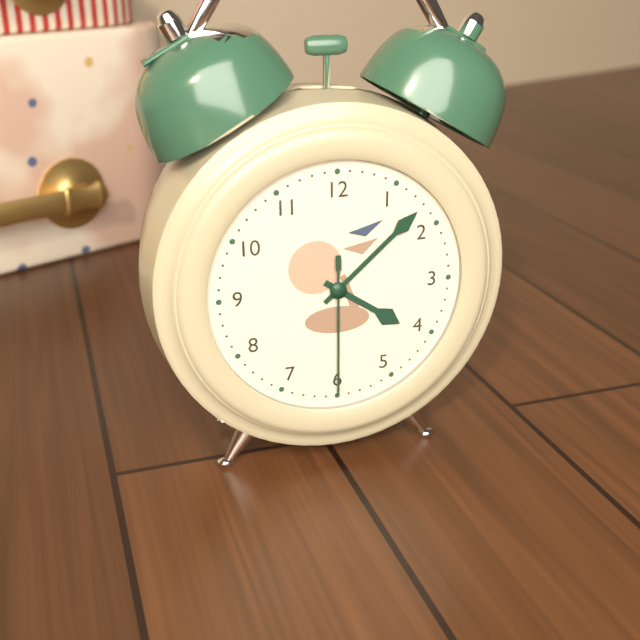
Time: **4:08:30**
